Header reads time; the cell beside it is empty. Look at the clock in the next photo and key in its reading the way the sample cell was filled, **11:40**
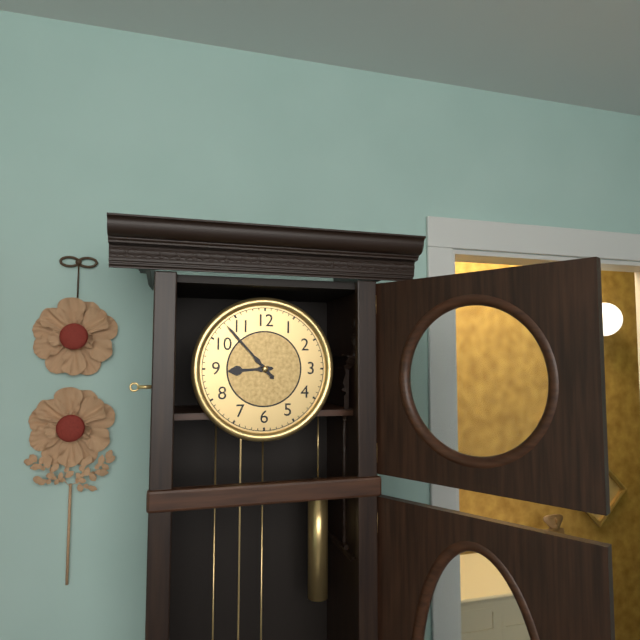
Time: **8:53**
